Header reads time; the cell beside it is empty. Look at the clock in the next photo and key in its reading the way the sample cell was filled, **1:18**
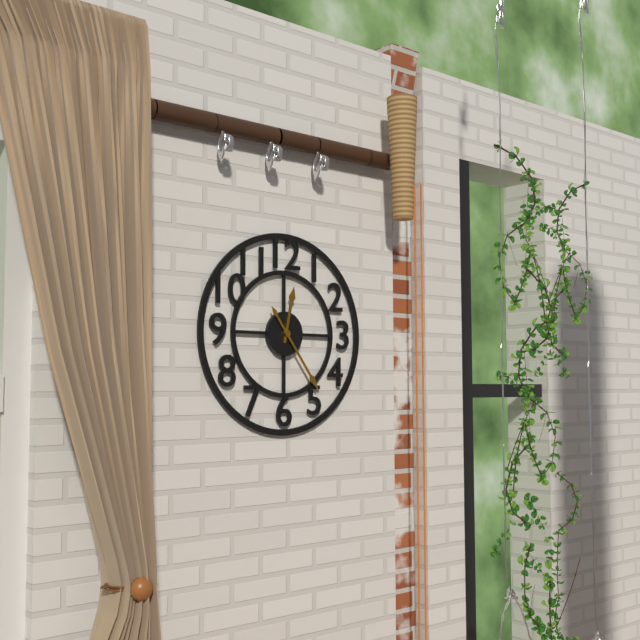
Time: **12:24**
